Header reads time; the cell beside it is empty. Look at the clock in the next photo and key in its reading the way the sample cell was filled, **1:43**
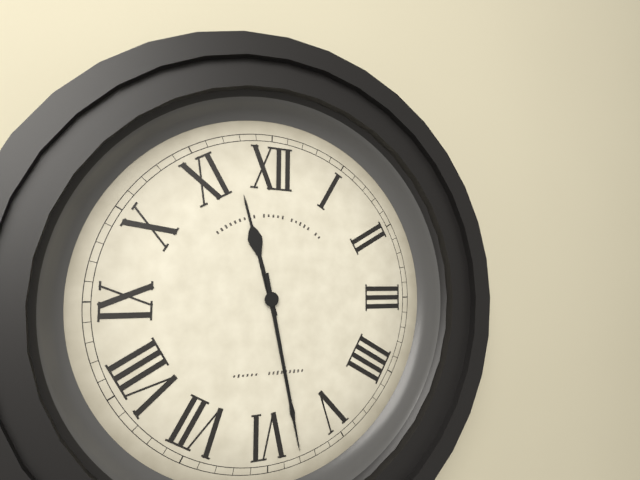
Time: **11:28**
